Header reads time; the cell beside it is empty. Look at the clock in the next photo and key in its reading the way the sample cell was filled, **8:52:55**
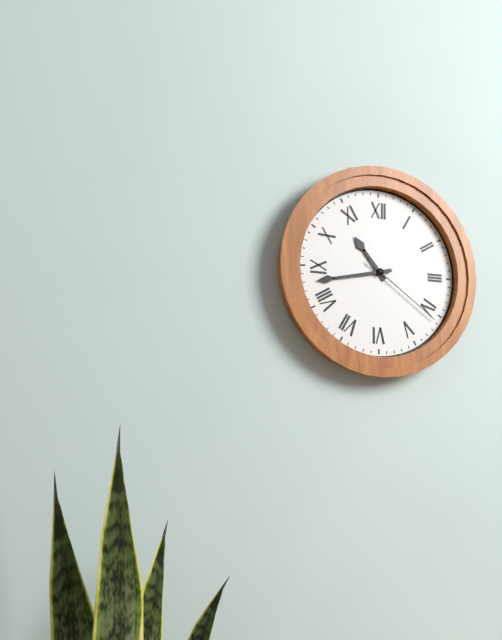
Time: **10:43:21**
